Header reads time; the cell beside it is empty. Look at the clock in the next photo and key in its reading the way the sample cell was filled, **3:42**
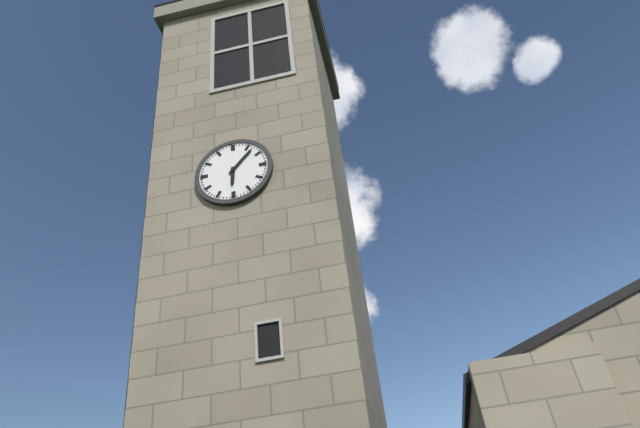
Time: **6:07**
